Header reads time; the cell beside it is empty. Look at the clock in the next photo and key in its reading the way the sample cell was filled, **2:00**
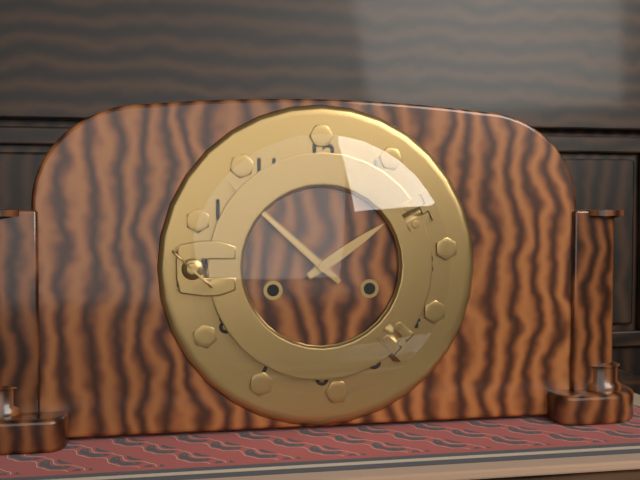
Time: **1:52**
